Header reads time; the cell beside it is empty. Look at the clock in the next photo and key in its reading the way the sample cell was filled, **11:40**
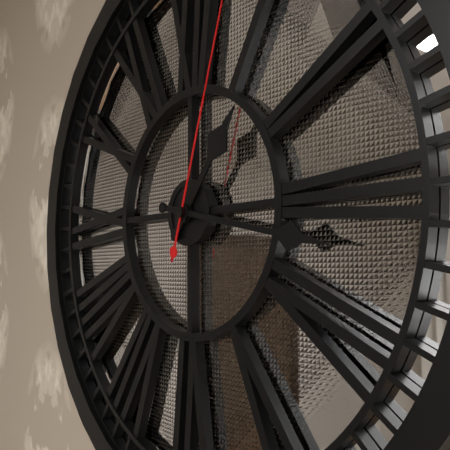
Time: **1:17**
